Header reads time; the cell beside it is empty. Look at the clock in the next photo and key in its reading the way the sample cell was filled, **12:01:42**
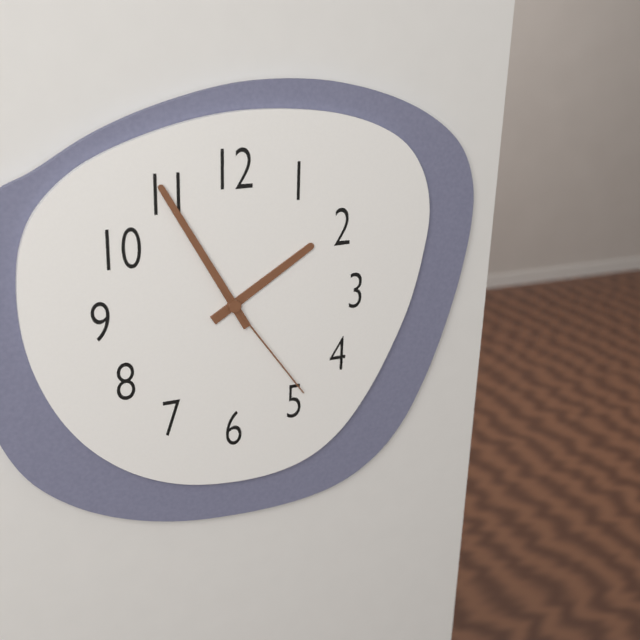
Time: **1:55:24**
